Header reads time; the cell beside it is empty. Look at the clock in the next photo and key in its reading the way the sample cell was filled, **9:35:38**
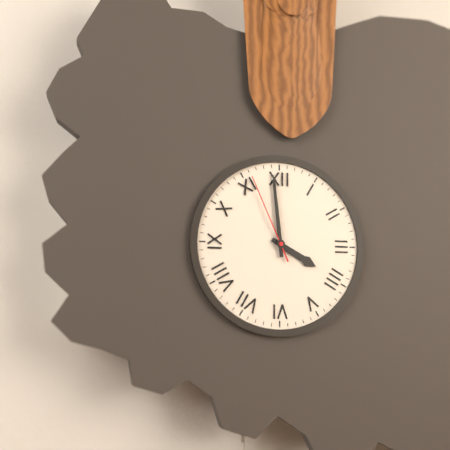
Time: **3:59:56**
